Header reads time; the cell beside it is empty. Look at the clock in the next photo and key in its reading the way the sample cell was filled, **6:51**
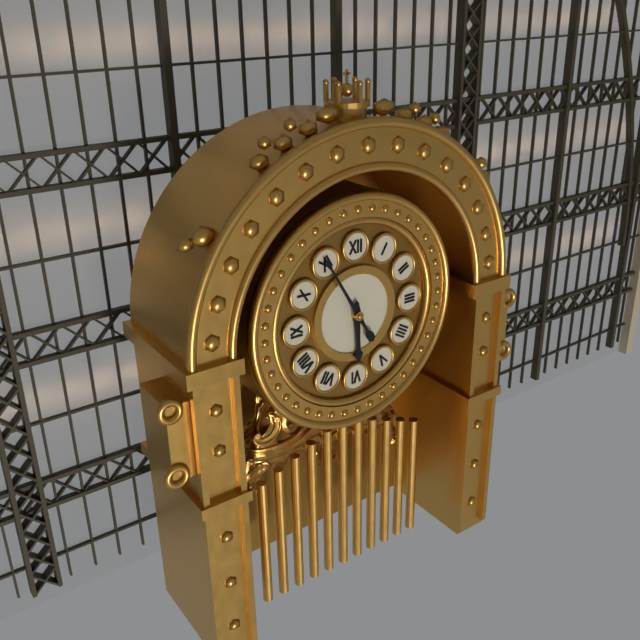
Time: **5:55**
